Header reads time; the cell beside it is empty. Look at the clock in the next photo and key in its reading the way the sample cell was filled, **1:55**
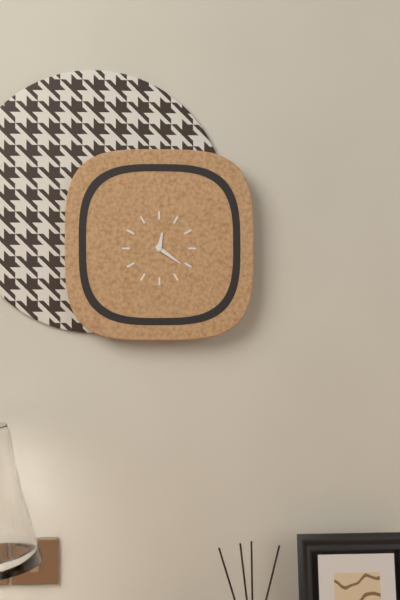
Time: **12:21**
